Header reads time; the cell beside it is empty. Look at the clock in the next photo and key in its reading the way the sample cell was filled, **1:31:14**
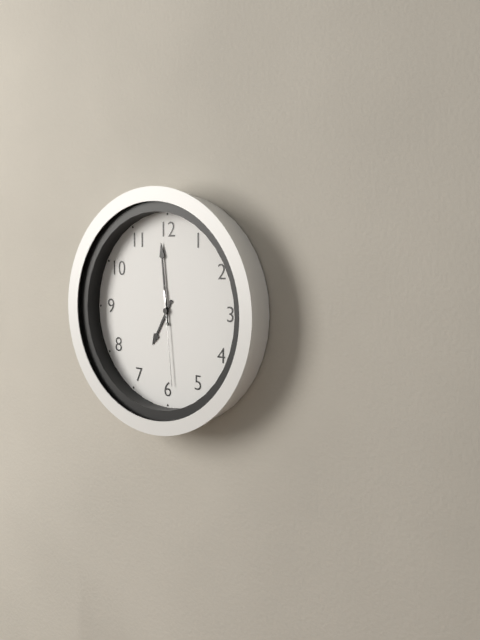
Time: **6:59:29**
